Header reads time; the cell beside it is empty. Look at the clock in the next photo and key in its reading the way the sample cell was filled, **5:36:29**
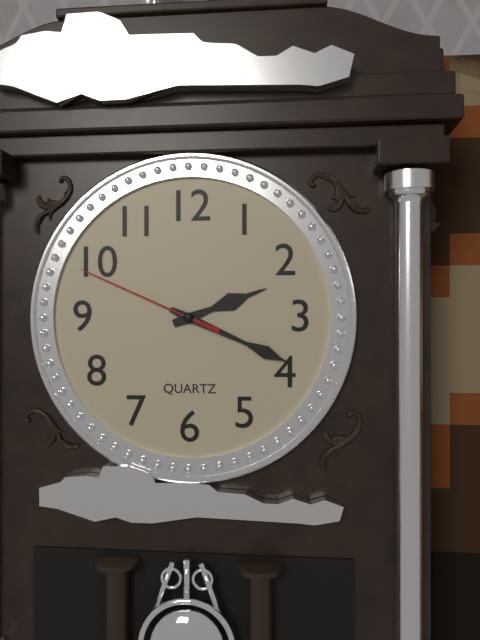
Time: **2:19:49**
